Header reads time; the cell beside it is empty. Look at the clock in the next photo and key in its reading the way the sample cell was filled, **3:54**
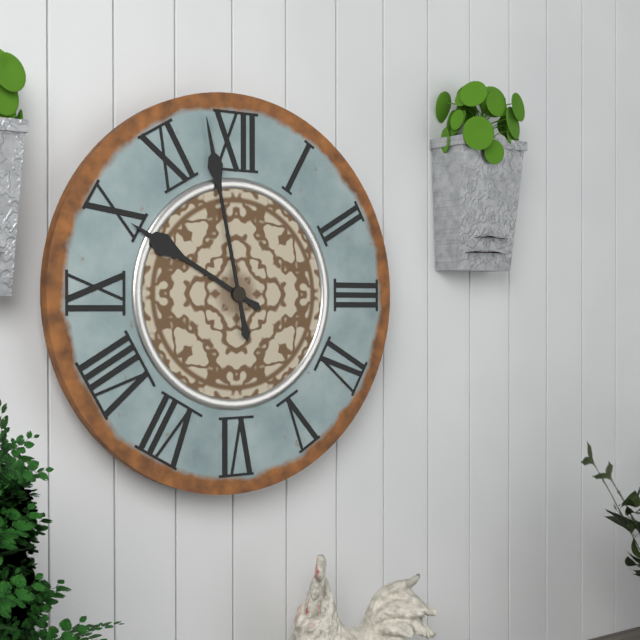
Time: **9:58**
